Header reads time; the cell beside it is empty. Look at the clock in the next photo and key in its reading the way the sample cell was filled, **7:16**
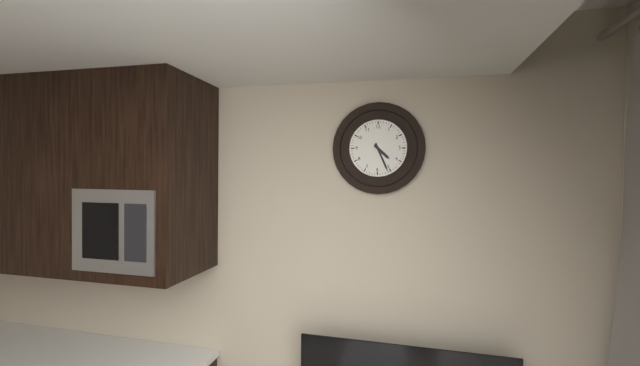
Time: **4:26**
